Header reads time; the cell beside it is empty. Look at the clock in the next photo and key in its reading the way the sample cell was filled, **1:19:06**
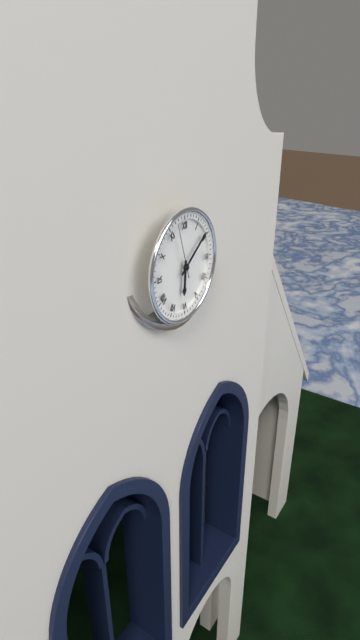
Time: **6:09:57**
